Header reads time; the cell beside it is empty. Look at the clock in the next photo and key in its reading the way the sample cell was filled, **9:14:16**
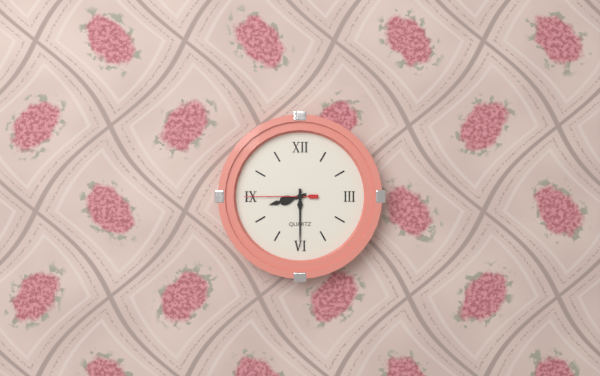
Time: **8:30:45**
